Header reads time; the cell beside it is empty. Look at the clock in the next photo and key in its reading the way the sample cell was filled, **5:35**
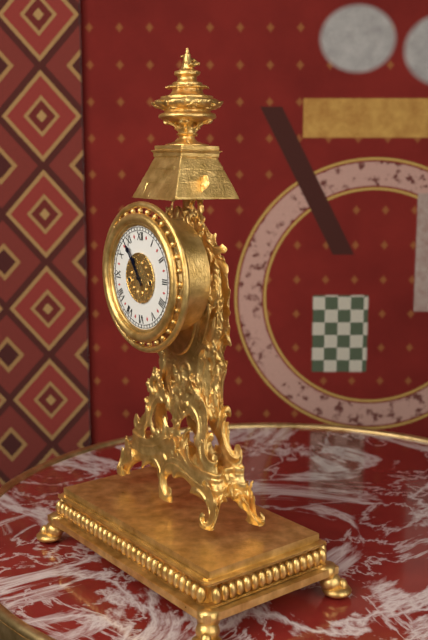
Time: **10:54**
